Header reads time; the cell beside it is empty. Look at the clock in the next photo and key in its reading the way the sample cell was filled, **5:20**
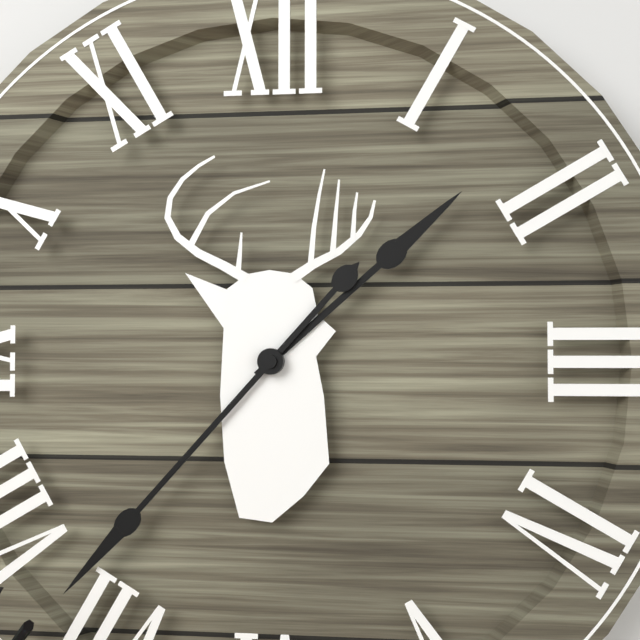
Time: **1:37**
